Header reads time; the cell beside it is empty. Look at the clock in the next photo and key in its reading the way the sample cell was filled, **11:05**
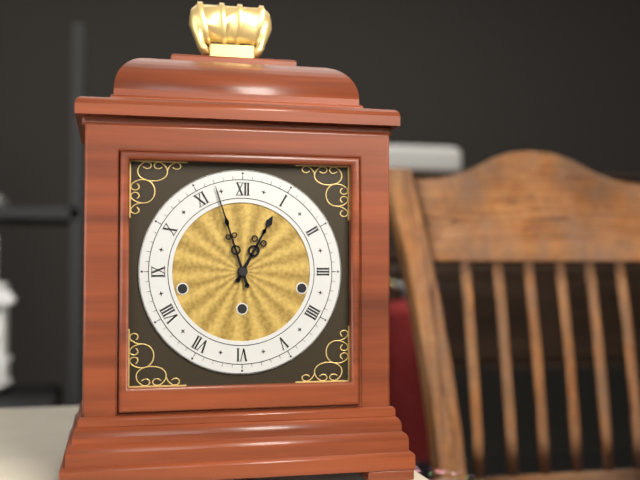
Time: **12:57**
